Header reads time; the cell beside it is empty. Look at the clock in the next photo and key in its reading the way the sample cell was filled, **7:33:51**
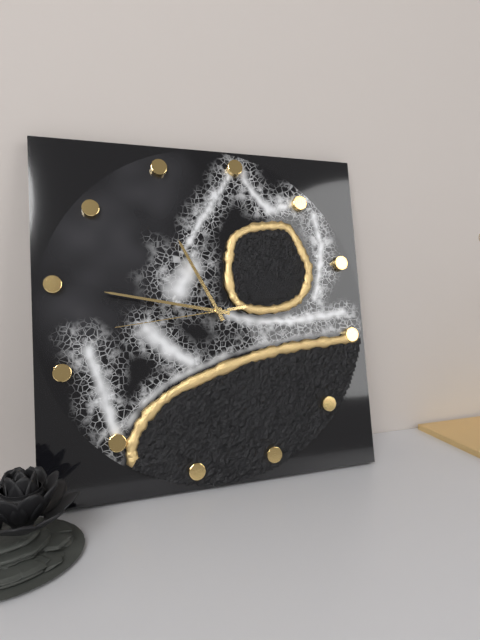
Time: **10:45:42**
